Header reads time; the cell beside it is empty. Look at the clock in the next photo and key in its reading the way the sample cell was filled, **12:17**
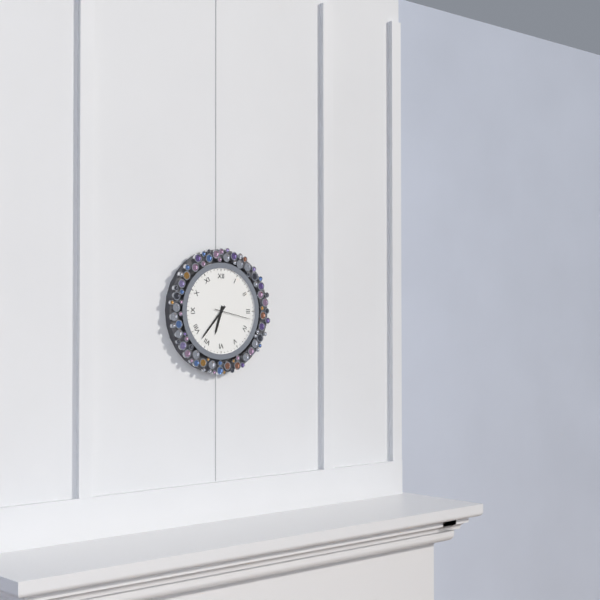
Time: **6:37**
